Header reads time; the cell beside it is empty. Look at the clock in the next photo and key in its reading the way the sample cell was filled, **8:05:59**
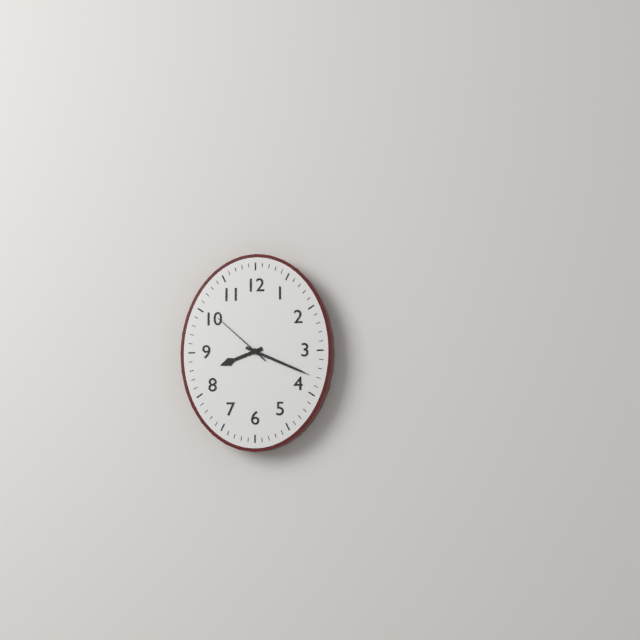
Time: **8:19:52**
